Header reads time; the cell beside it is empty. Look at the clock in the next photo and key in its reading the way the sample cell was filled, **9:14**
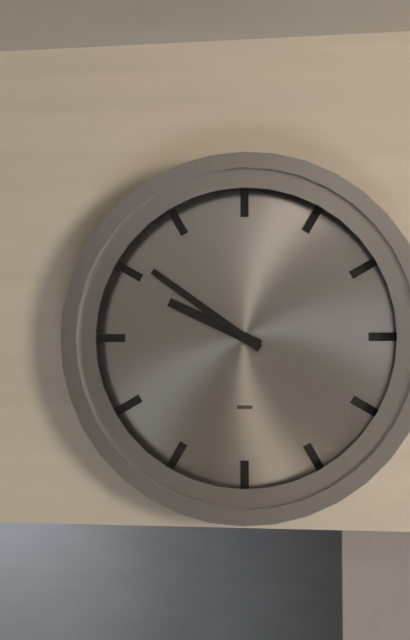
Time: **9:51**
